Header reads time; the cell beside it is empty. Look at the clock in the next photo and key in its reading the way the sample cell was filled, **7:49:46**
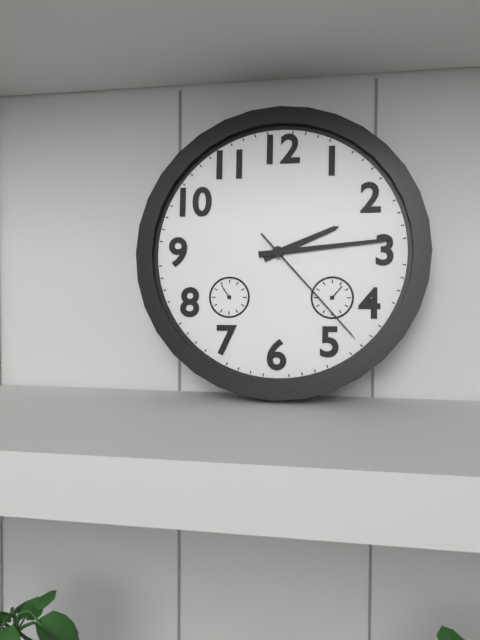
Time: **2:14:23**
